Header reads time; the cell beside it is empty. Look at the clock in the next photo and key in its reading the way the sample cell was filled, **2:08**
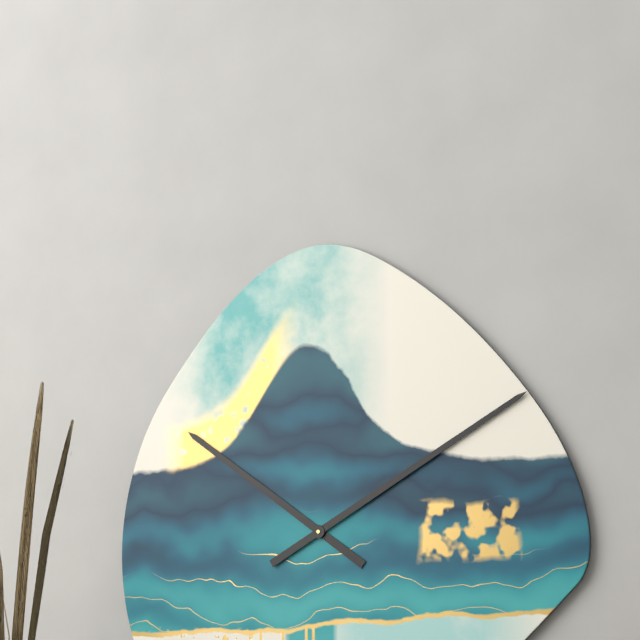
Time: **10:10**
